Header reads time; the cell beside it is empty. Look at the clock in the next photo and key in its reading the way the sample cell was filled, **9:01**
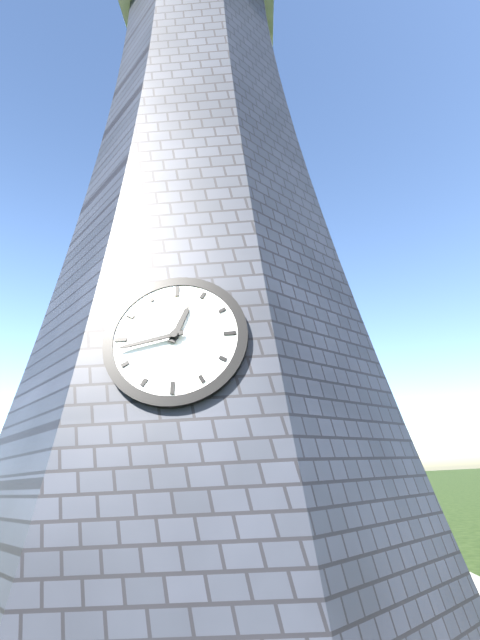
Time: **12:43**
